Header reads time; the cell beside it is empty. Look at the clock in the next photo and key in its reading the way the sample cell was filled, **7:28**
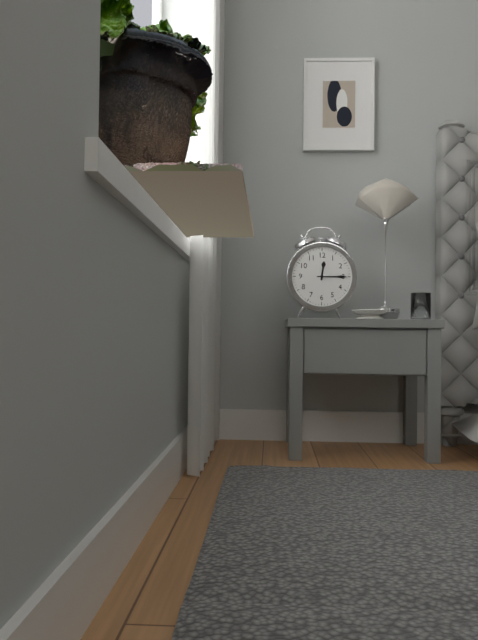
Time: **12:15**
